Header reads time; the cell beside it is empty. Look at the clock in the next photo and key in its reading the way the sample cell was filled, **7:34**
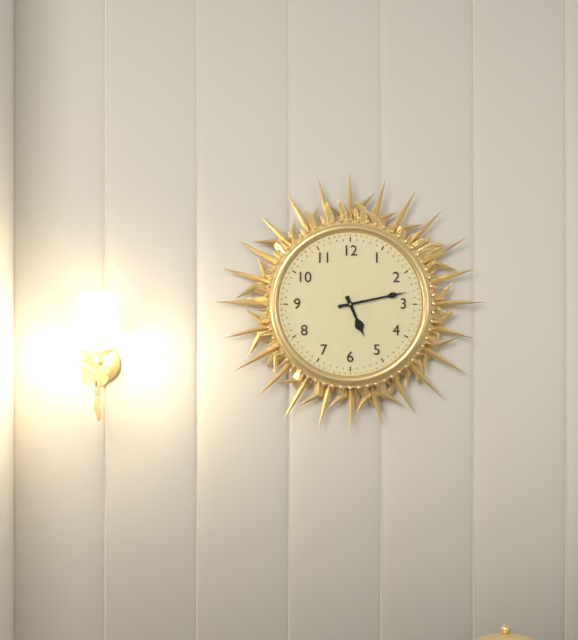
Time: **5:13**
